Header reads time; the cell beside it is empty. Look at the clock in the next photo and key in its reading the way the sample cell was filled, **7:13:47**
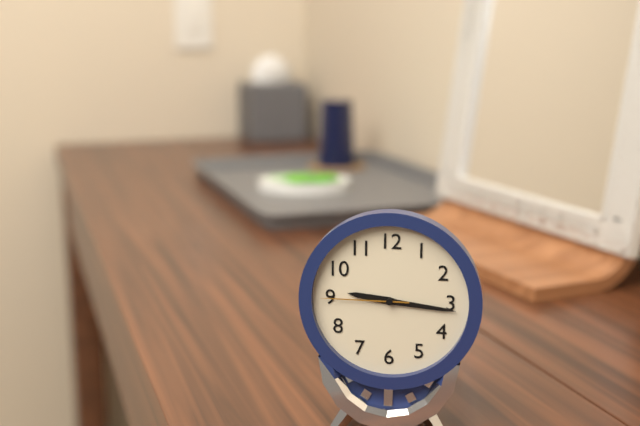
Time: **9:16:45**
